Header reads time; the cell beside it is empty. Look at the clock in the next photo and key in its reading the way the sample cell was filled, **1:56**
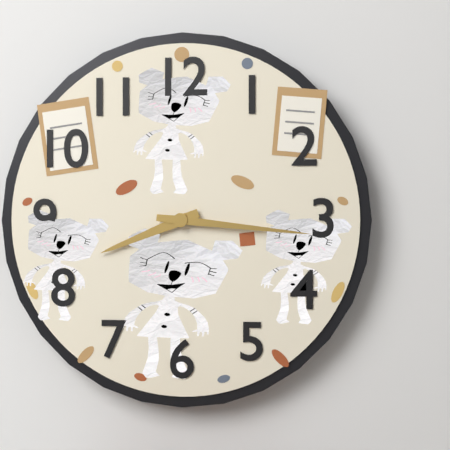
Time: **8:16**
